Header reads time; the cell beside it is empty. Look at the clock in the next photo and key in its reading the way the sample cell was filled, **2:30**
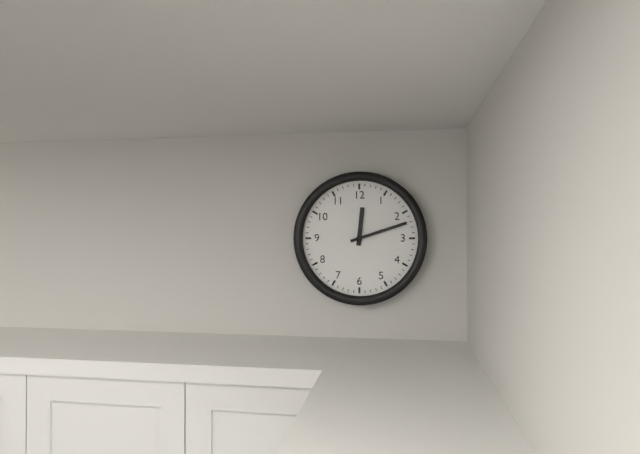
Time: **12:12**
